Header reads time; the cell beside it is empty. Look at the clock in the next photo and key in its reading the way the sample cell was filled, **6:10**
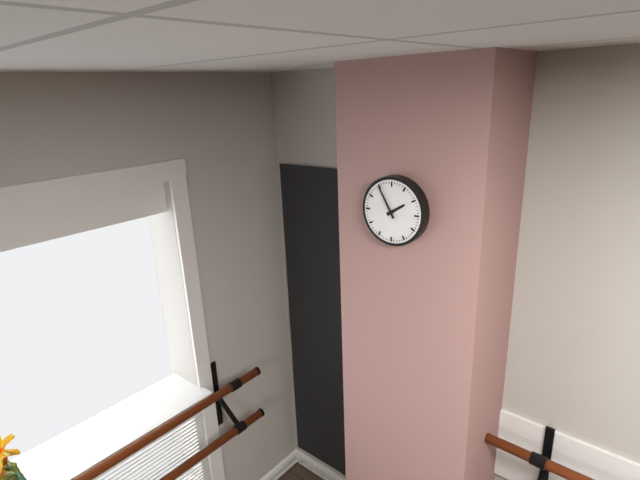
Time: **1:55**
